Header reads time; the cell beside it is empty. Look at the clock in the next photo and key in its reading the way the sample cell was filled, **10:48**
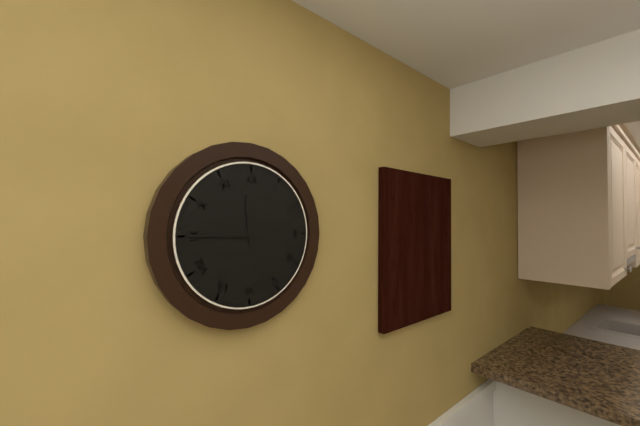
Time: **11:45**
